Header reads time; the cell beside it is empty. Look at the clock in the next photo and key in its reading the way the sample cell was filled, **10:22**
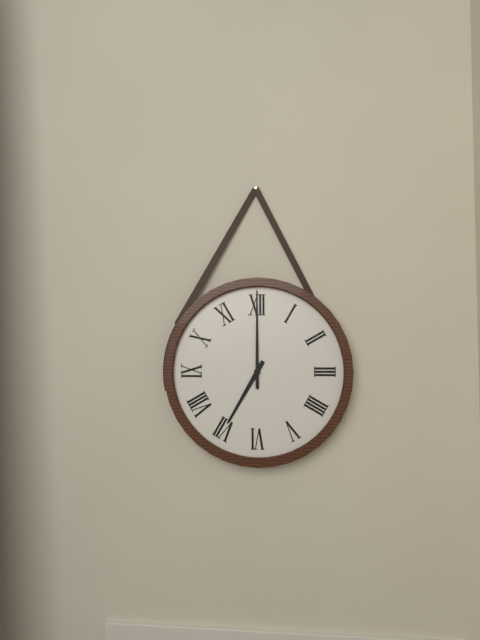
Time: **7:00**
